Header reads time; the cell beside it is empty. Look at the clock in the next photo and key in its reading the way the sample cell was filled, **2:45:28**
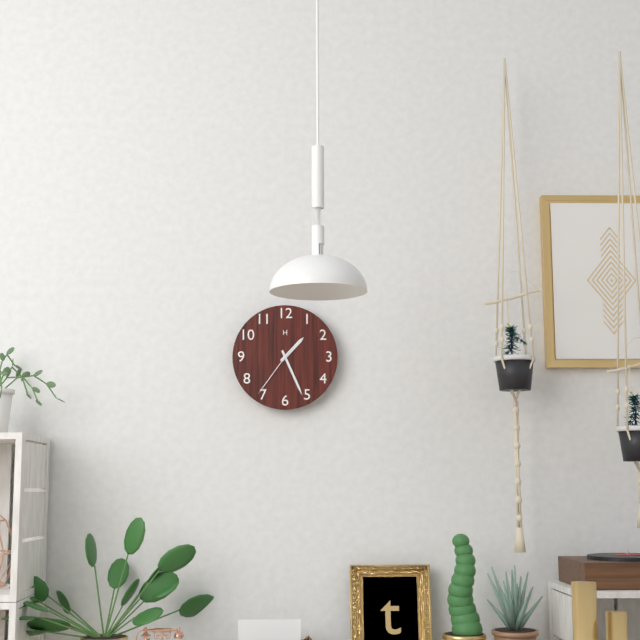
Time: **1:26:36**
